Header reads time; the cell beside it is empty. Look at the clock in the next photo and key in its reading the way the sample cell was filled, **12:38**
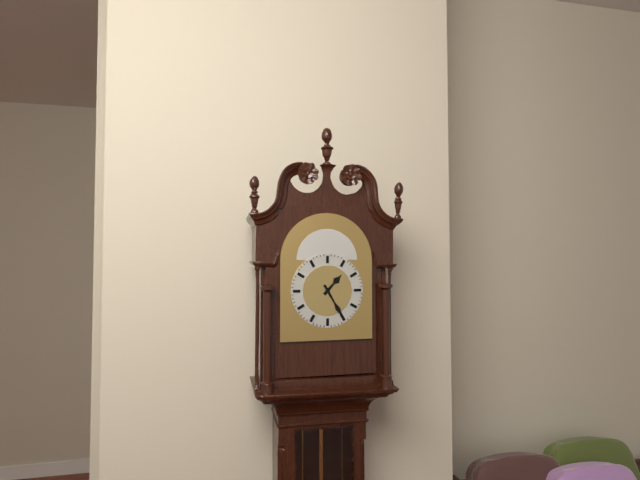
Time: **1:25**
